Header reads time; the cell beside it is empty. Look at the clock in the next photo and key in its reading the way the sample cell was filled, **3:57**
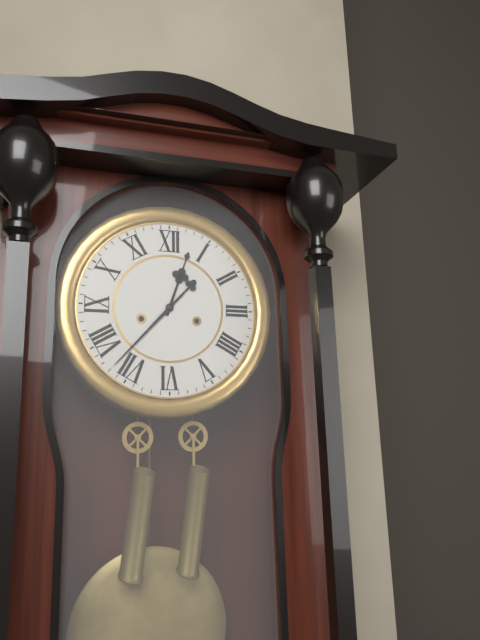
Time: **12:37**
